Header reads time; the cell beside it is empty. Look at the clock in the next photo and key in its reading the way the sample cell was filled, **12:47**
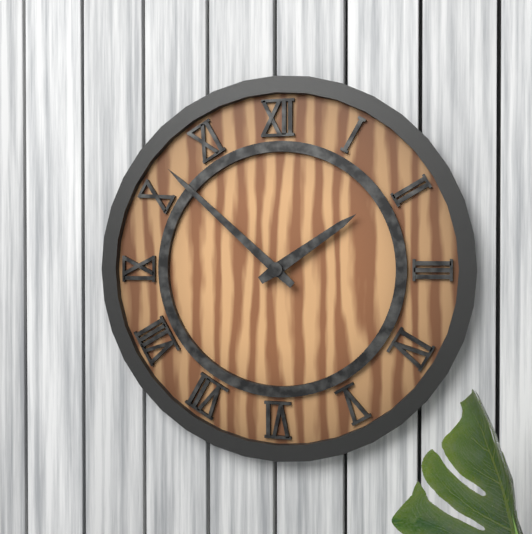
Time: **1:52**
